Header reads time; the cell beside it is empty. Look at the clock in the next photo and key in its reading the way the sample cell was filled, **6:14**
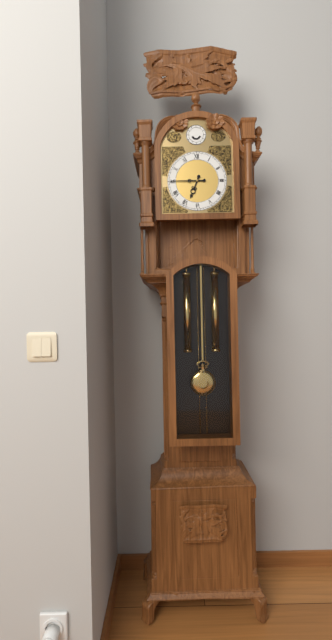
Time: **6:45**
